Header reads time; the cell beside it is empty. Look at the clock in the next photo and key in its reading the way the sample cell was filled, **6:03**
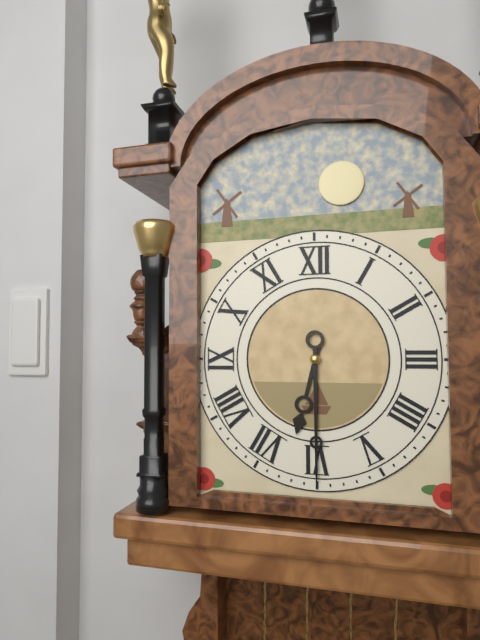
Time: **6:30**
